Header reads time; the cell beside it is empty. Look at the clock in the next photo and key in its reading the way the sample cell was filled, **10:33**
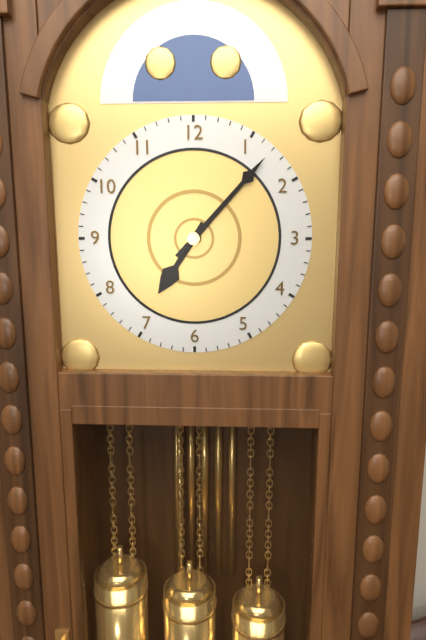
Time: **7:07**
